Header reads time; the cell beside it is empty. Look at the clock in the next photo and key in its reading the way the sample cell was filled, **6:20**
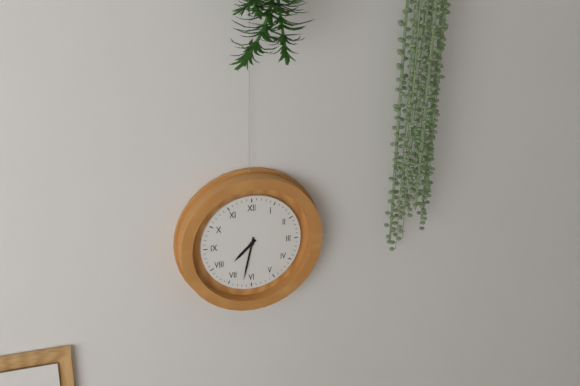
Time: **7:32**
